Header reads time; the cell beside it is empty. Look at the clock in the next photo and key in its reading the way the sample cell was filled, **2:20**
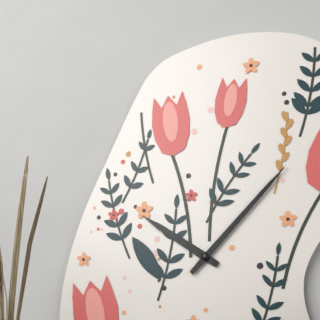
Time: **10:07**
